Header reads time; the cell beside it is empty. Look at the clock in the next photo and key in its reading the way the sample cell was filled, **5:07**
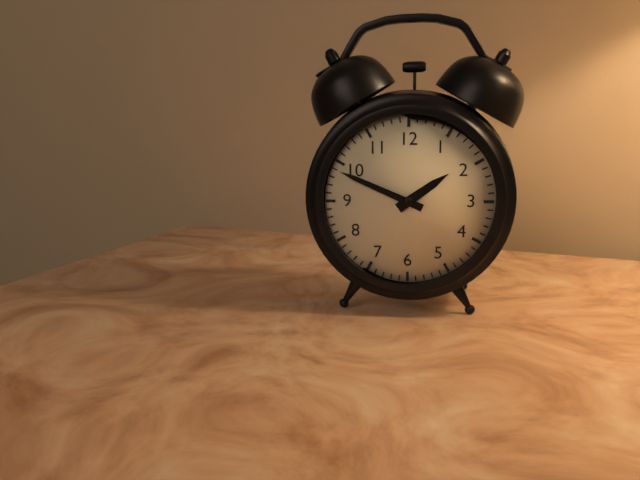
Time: **1:49**
